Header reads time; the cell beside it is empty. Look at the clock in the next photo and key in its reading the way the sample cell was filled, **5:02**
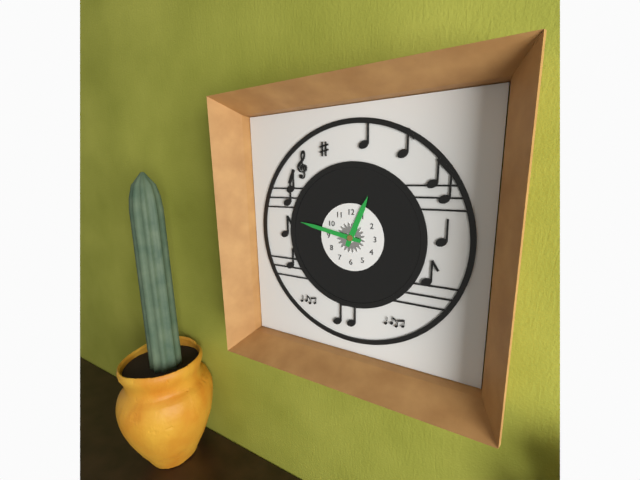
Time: **12:47**
